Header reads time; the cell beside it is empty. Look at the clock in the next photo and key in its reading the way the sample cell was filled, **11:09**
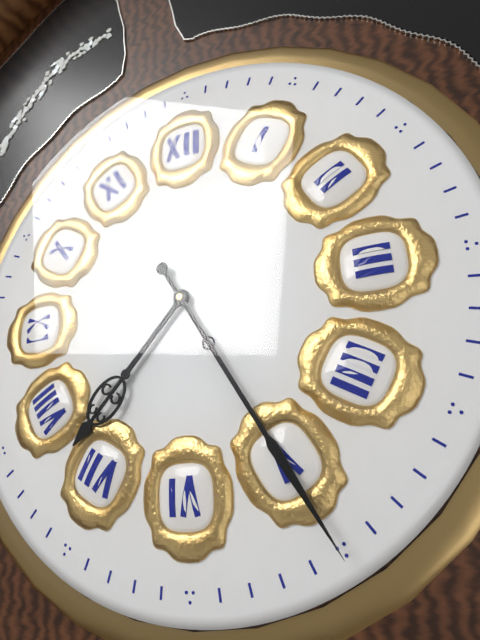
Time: **7:25**
